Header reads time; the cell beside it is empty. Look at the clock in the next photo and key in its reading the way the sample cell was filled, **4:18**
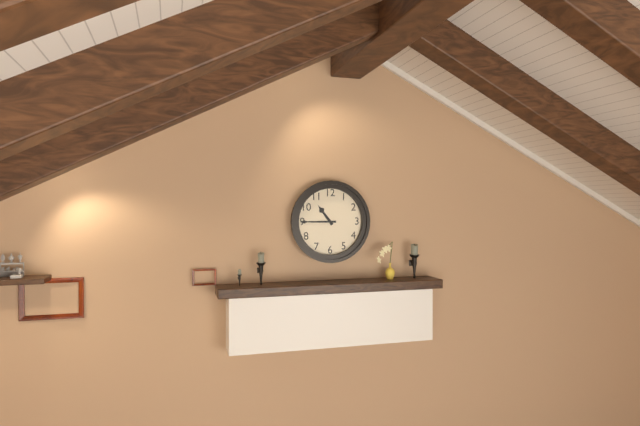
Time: **10:45**
